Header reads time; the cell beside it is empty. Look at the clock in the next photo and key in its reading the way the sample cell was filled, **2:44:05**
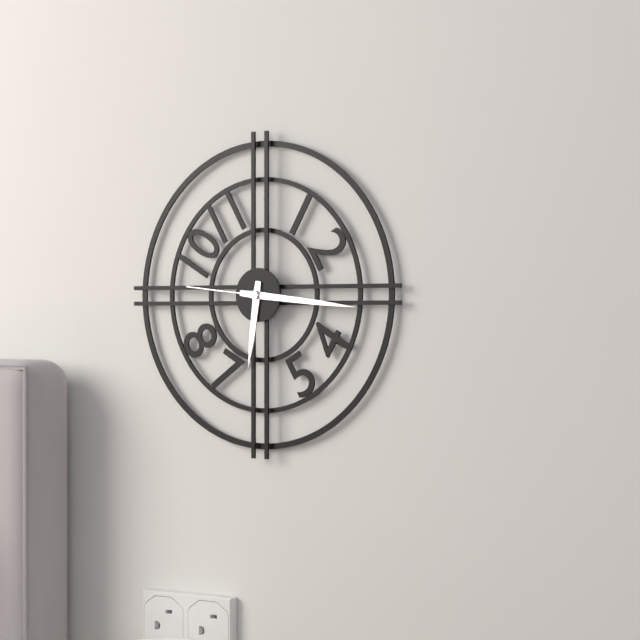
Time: **6:16:46**
